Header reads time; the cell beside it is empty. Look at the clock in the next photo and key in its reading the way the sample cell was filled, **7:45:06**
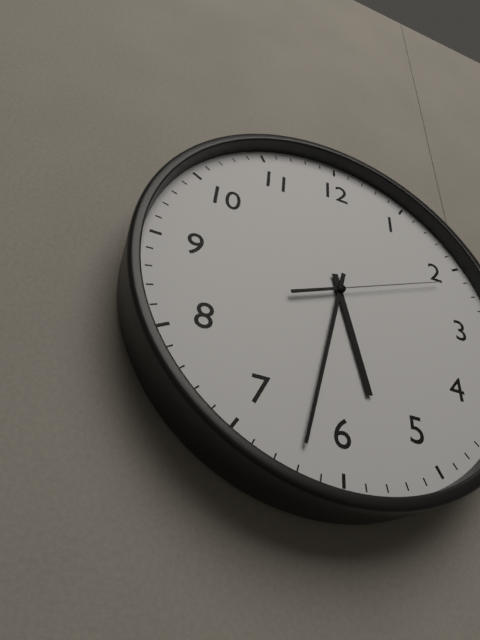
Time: **5:32:11**
